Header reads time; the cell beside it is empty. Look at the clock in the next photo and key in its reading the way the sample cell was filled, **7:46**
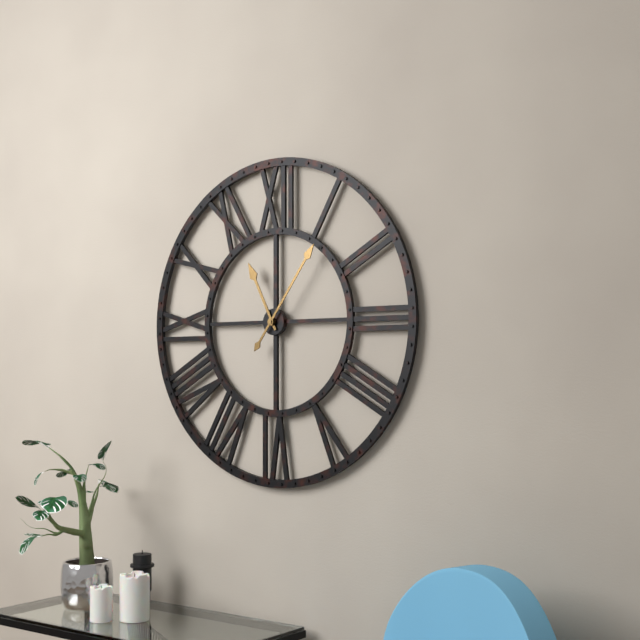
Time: **11:06**
